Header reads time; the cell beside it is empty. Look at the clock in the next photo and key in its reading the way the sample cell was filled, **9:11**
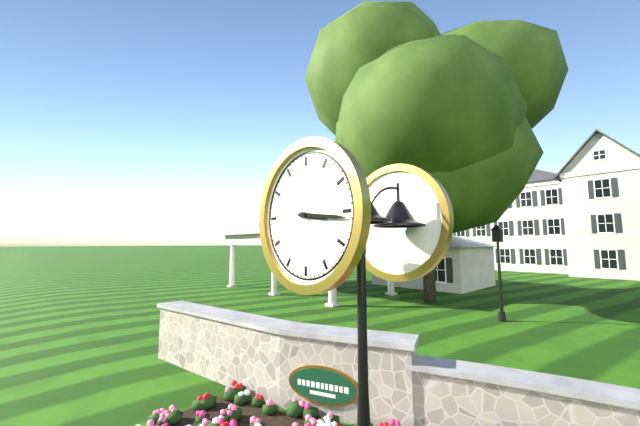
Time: **3:16**
